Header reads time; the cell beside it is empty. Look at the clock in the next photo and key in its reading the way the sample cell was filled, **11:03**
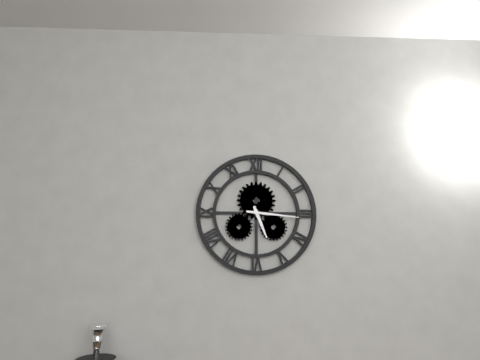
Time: **5:16**
